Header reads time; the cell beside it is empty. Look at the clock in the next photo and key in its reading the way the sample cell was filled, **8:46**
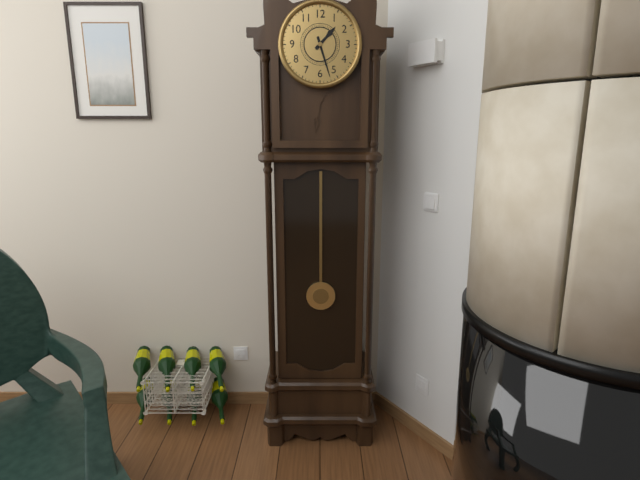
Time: **1:27**
